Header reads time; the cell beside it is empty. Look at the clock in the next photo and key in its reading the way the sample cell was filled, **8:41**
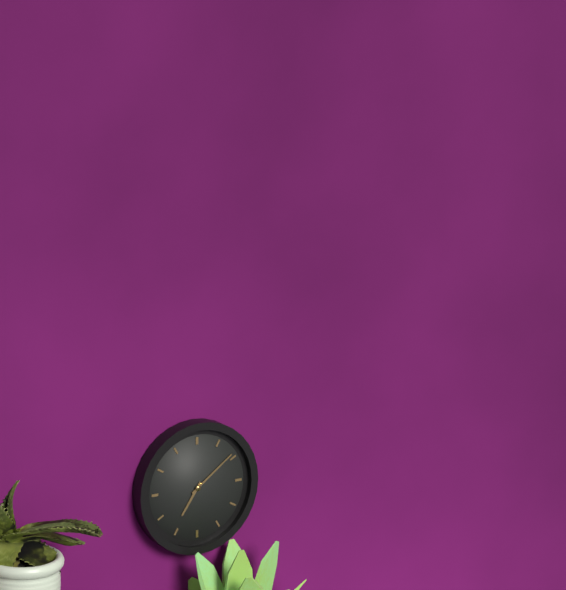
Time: **7:09**
